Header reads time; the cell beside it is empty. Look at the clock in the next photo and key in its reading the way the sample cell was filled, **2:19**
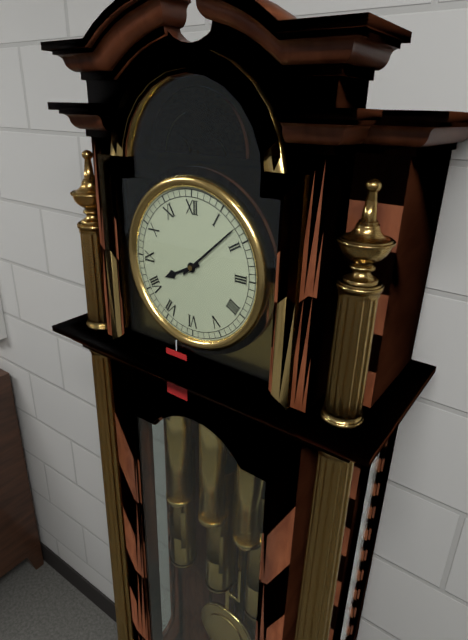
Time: **8:08**
